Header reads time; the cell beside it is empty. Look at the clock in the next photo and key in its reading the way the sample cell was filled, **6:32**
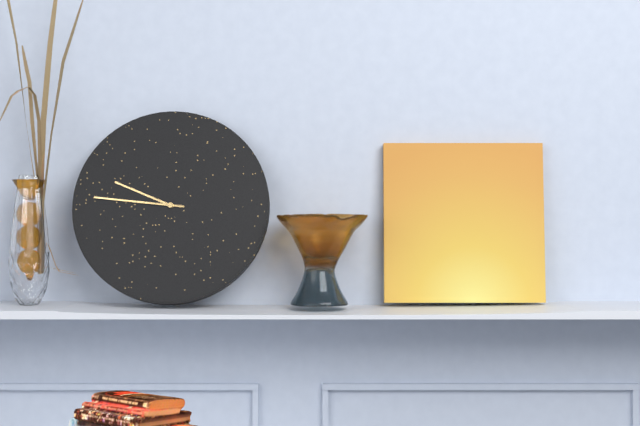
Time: **9:46**
